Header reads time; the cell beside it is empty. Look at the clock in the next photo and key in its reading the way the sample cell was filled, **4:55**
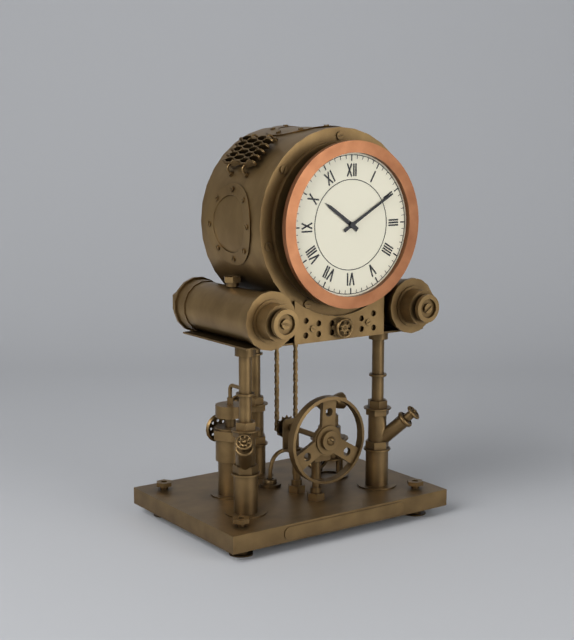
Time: **10:10**
